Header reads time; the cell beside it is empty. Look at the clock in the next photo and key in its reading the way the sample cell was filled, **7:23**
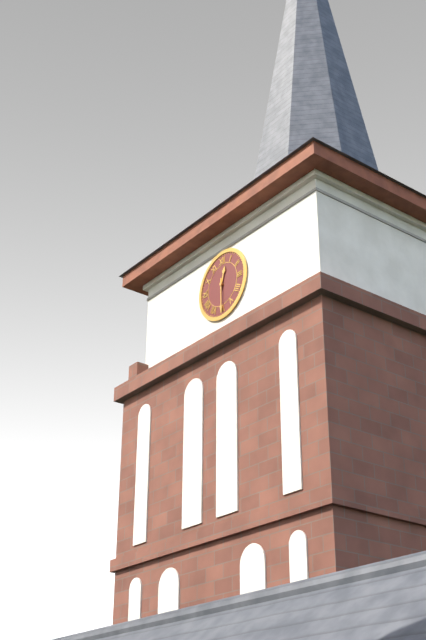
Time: **12:30**
